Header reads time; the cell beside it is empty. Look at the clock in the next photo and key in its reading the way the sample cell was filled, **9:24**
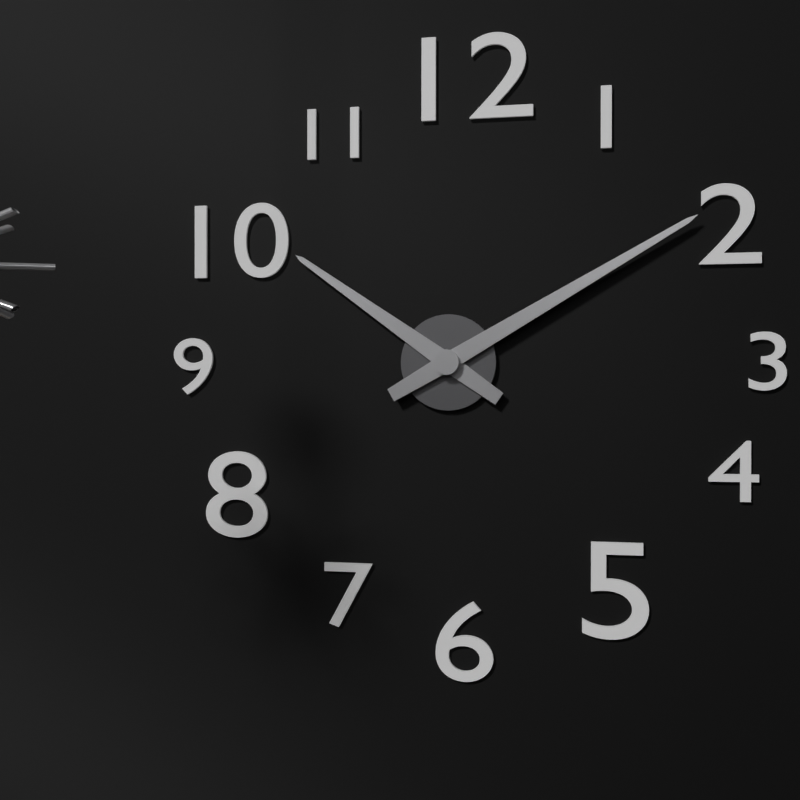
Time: **10:10**
